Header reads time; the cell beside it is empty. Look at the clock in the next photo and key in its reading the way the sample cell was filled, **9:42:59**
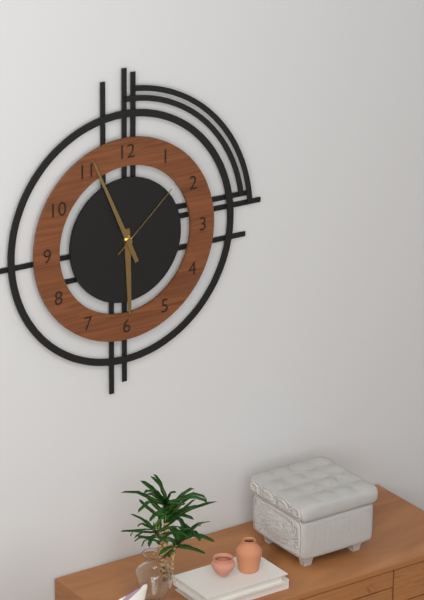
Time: **5:56:08**
